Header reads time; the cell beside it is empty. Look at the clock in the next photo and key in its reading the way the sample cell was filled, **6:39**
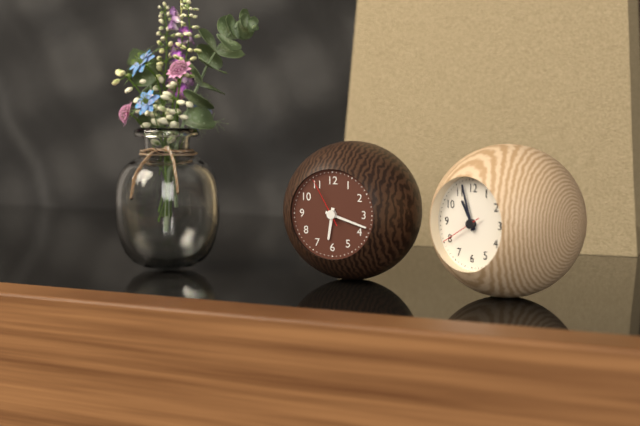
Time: **6:18**
